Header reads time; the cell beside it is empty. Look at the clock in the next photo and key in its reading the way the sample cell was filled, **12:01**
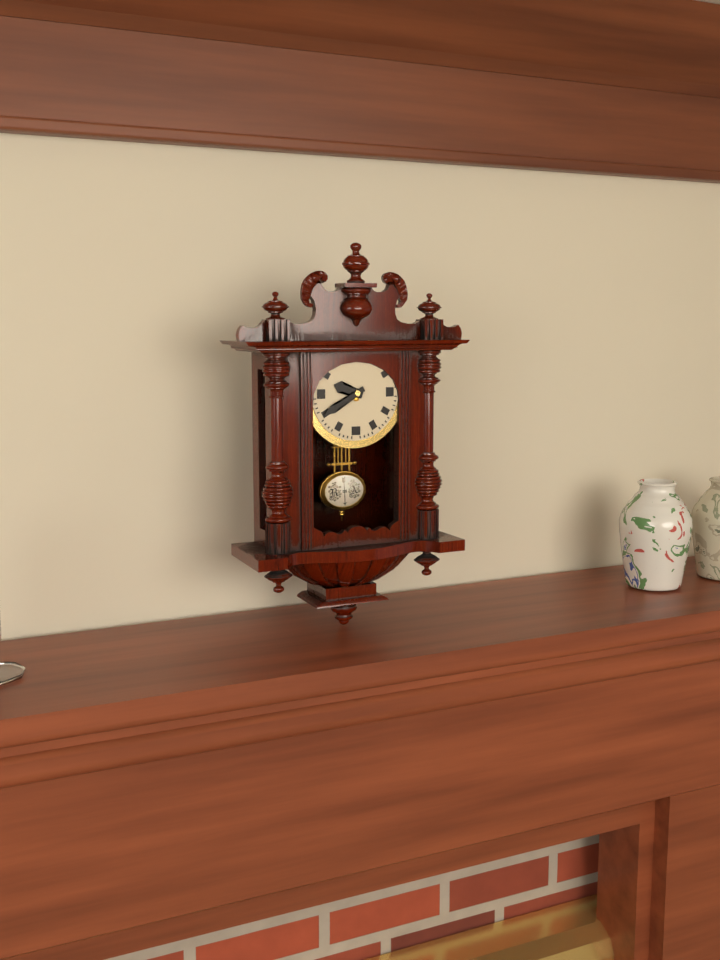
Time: **9:40**
